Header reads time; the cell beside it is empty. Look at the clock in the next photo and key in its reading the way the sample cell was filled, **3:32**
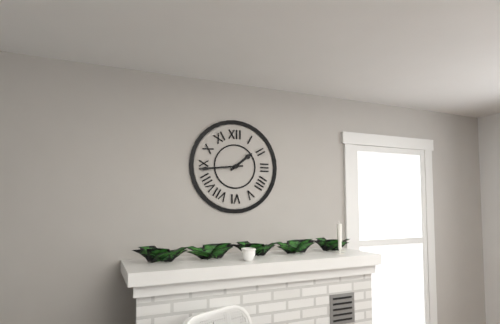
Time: **1:44**
